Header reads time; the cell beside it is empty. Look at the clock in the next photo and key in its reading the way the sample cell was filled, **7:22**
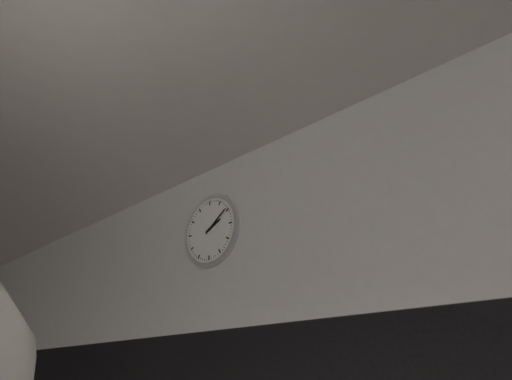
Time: **2:09**
